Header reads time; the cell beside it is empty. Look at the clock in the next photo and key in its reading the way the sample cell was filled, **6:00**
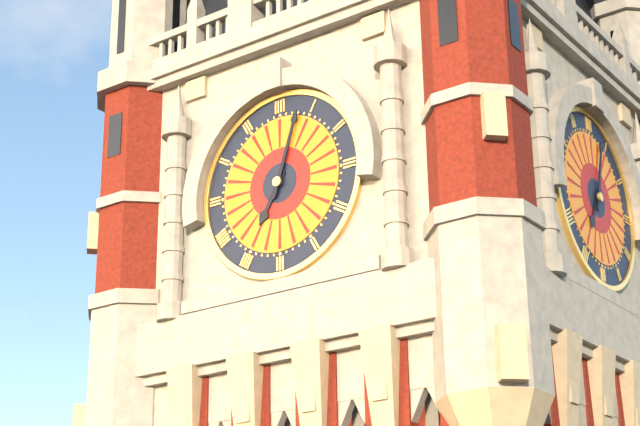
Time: **7:03**
